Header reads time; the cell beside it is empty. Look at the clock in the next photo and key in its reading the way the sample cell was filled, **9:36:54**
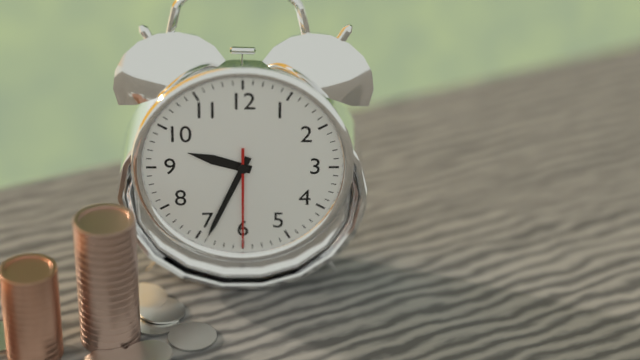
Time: **9:34:30**
